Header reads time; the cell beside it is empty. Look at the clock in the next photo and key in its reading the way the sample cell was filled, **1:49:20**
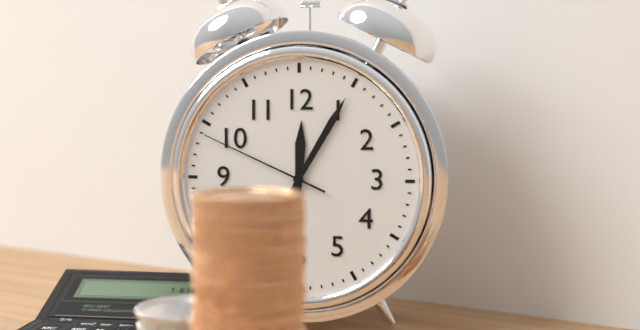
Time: **12:05:49**
